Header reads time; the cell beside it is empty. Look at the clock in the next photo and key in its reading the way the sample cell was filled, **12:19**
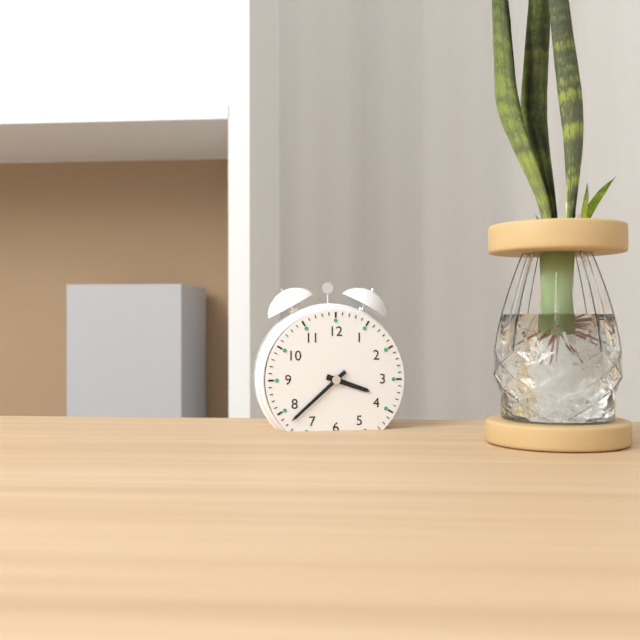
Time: **3:38**
